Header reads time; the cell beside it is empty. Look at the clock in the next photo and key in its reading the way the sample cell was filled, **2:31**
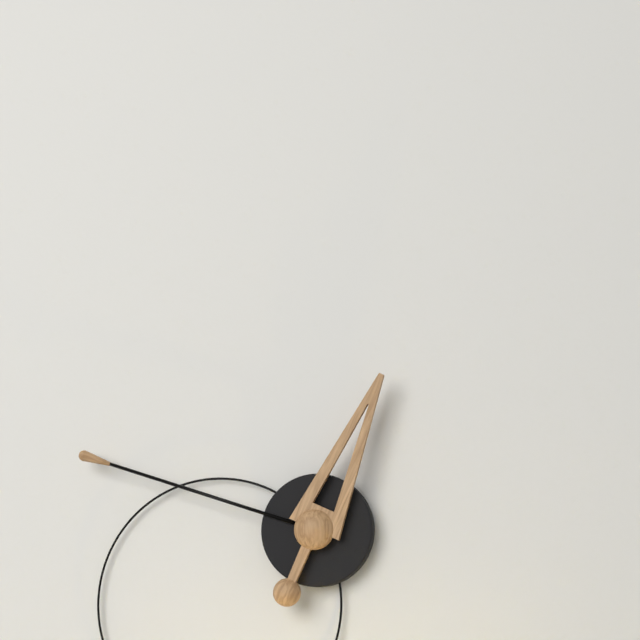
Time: **12:48**
